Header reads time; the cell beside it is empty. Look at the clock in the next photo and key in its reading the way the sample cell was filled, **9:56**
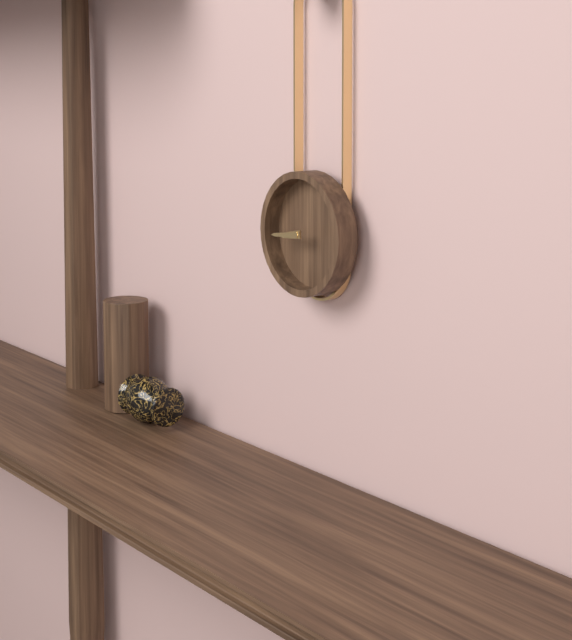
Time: **8:44**
